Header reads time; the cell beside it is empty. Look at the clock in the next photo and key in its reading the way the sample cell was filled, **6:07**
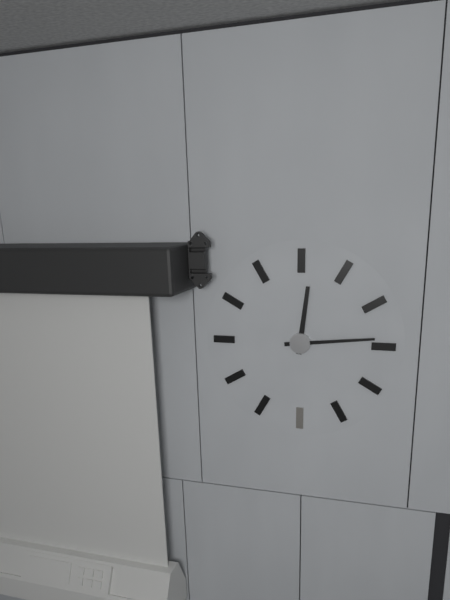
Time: **12:14**
